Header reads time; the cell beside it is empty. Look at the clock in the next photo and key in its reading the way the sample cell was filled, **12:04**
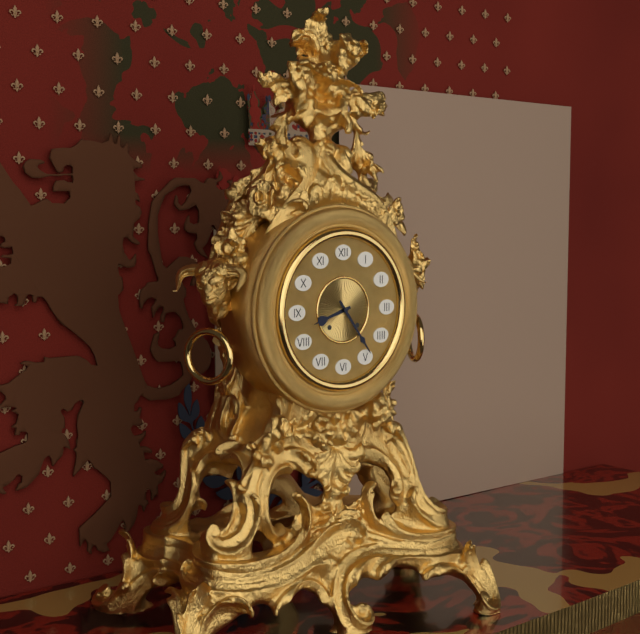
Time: **8:24**
